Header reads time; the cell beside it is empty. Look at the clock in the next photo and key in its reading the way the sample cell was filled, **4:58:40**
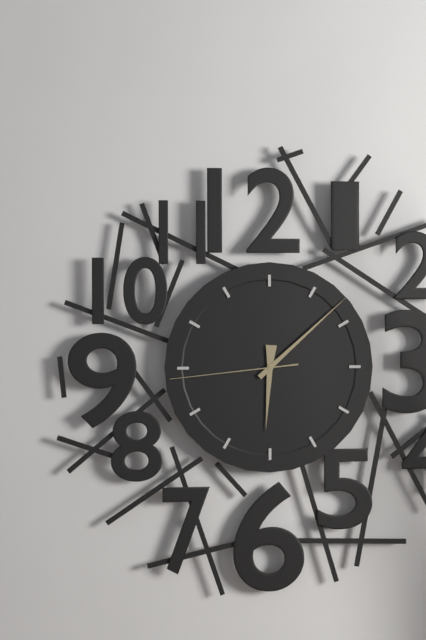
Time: **6:08:44**
